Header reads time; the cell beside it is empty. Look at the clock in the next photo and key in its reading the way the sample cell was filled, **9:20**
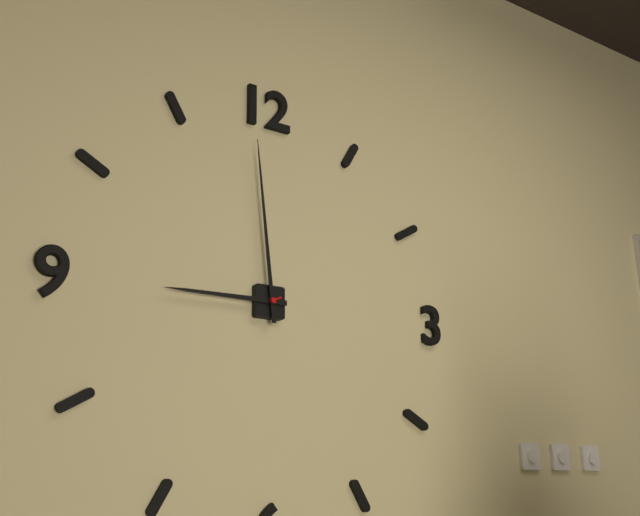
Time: **8:59**
